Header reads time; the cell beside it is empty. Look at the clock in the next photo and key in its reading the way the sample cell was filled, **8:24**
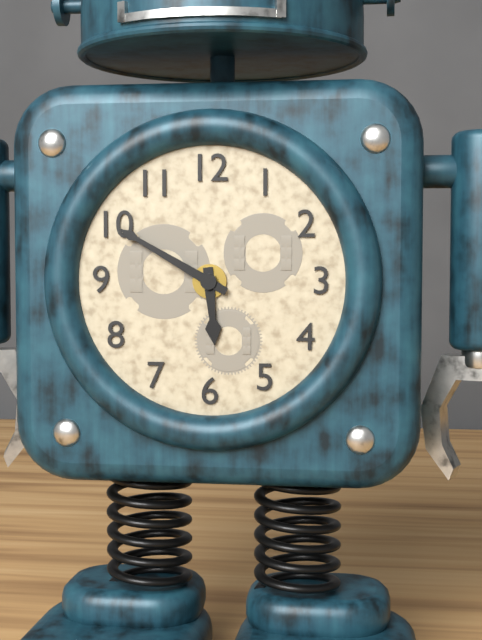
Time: **5:50**
